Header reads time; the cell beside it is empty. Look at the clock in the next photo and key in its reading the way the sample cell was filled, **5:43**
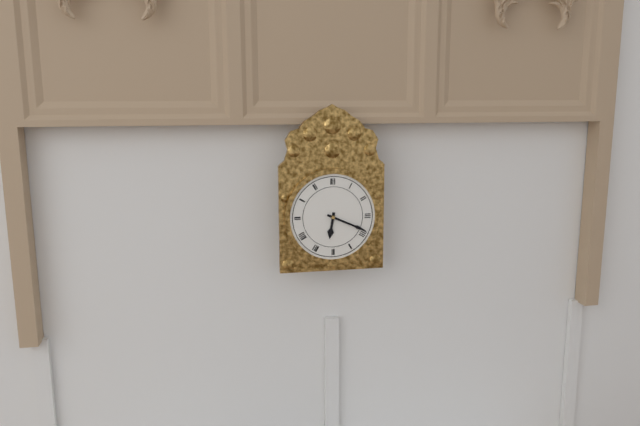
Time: **6:19**
